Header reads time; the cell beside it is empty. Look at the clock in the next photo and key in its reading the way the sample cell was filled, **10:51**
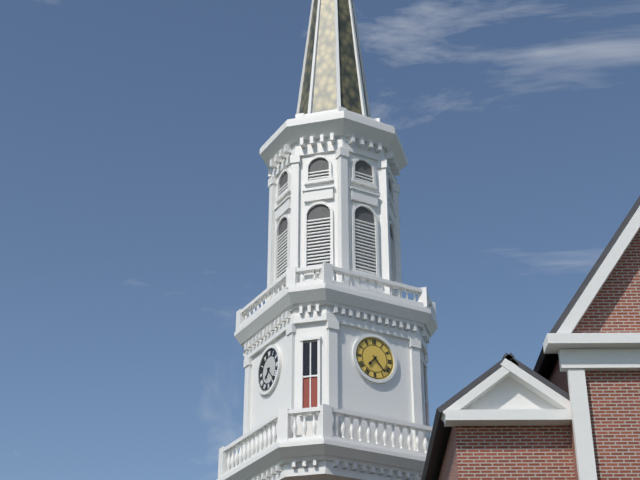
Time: **7:23**
